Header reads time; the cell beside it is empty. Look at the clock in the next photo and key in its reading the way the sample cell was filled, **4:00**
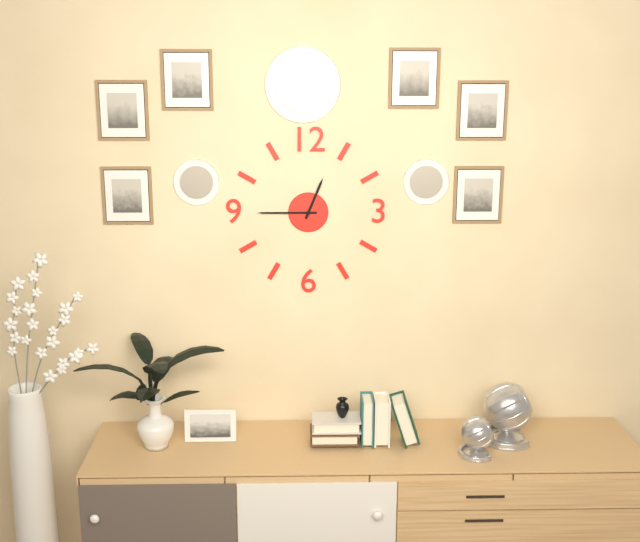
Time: **12:45**
